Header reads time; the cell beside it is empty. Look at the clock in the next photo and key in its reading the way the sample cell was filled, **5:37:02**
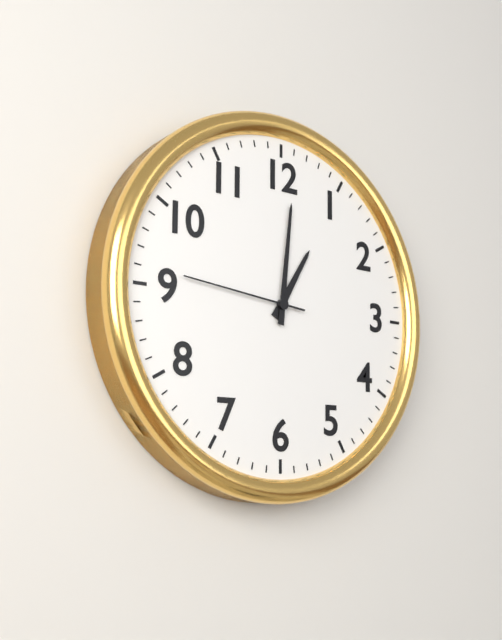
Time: **1:01:46**
